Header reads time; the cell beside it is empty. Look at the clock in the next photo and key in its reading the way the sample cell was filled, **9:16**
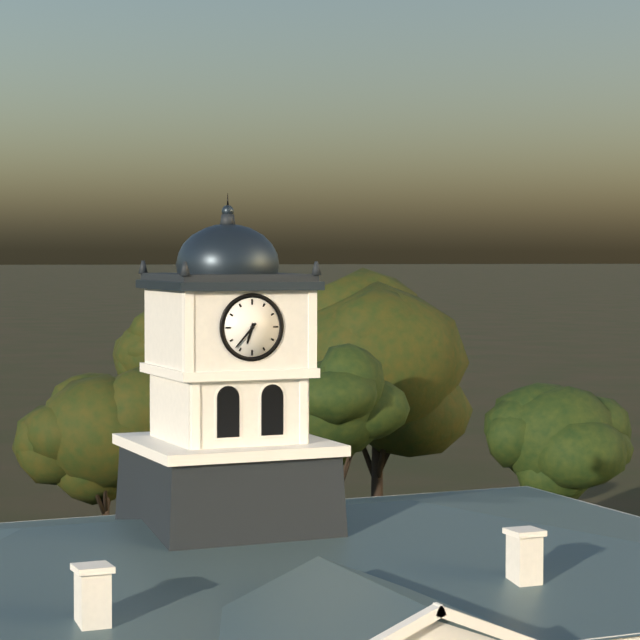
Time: **6:37**
